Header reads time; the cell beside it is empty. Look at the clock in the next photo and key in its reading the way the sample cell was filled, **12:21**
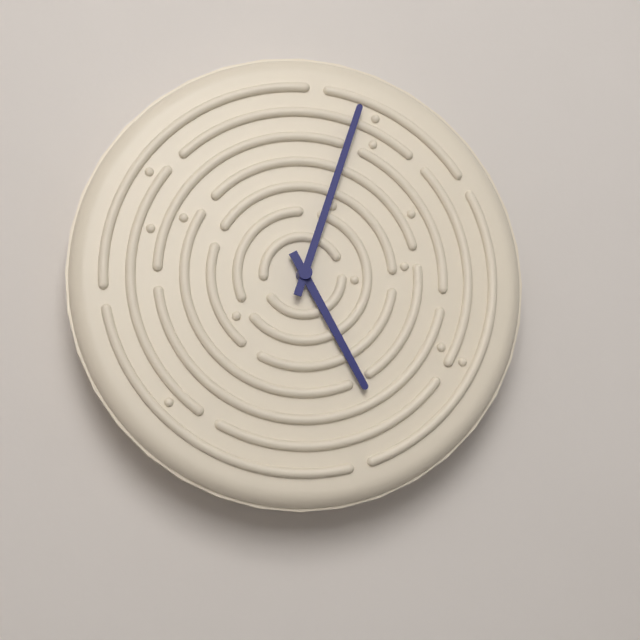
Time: **5:03**
